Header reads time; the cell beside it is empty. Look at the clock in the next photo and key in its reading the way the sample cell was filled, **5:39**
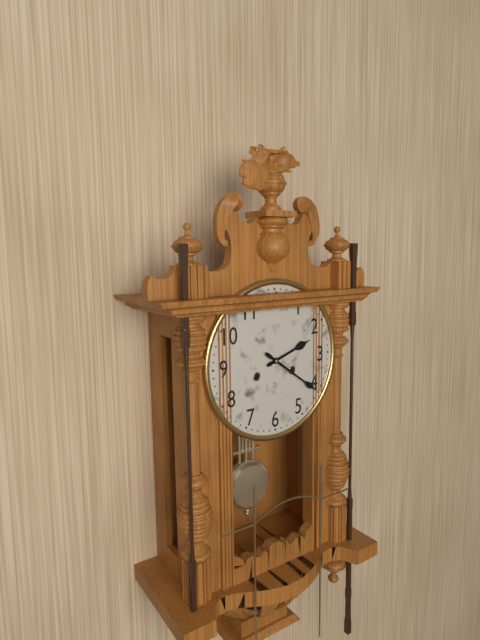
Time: **2:21**
